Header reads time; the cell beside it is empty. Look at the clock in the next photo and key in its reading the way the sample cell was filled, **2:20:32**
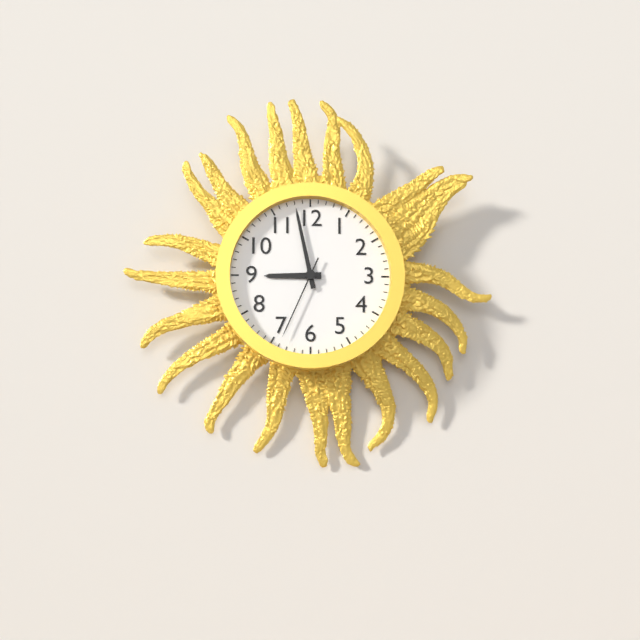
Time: **8:58:34**
